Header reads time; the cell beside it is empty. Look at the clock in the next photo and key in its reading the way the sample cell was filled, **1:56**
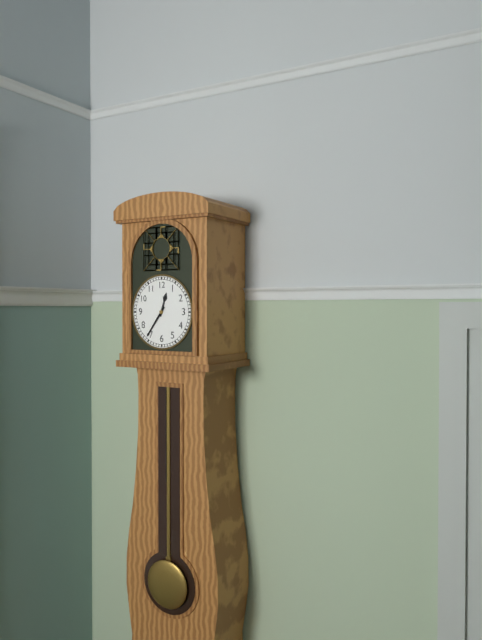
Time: **12:36**
